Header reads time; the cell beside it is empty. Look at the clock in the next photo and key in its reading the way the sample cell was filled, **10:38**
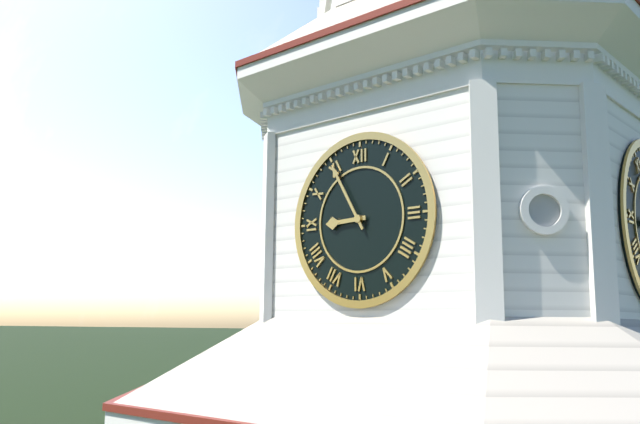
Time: **8:55**
